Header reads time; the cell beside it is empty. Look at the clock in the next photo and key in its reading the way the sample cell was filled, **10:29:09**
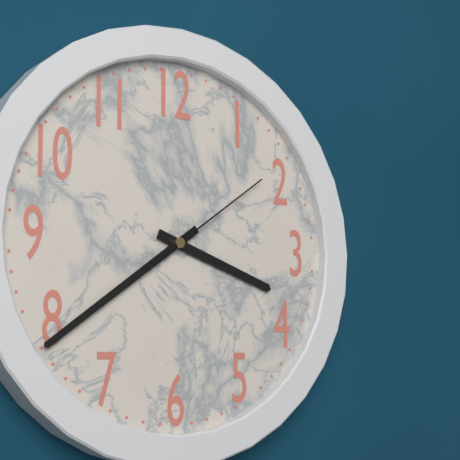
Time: **3:39:09**
